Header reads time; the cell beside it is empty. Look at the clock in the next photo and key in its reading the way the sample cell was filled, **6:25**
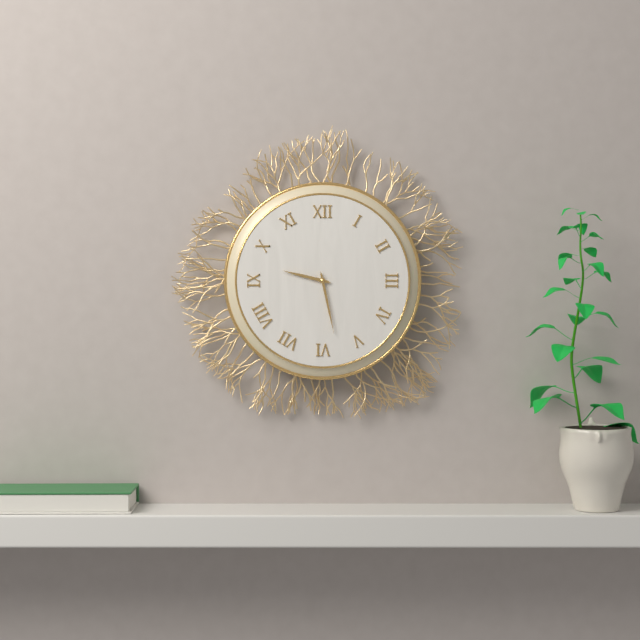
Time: **9:28**
